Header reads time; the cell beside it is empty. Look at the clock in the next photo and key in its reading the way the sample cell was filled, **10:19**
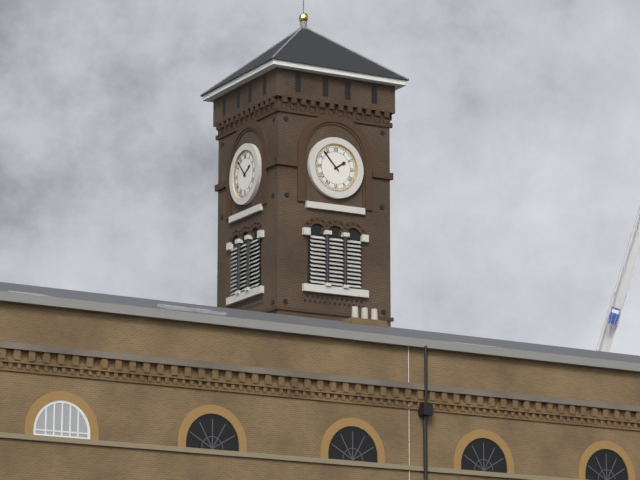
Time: **1:53**
